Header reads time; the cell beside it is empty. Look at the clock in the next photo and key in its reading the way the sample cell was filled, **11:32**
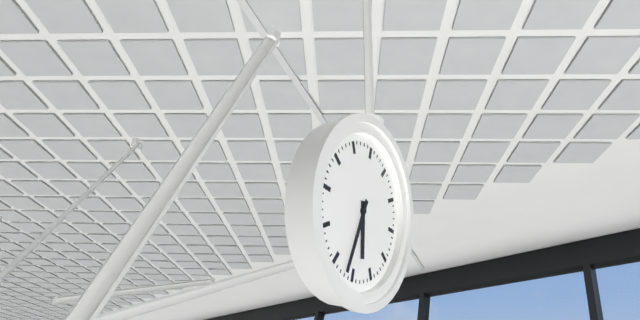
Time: **5:32**
